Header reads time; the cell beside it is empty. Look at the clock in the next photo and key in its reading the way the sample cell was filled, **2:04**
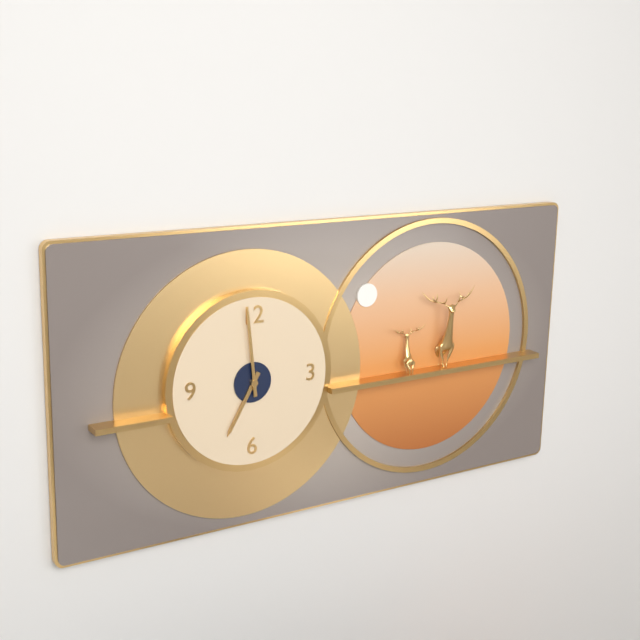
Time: **6:59**
